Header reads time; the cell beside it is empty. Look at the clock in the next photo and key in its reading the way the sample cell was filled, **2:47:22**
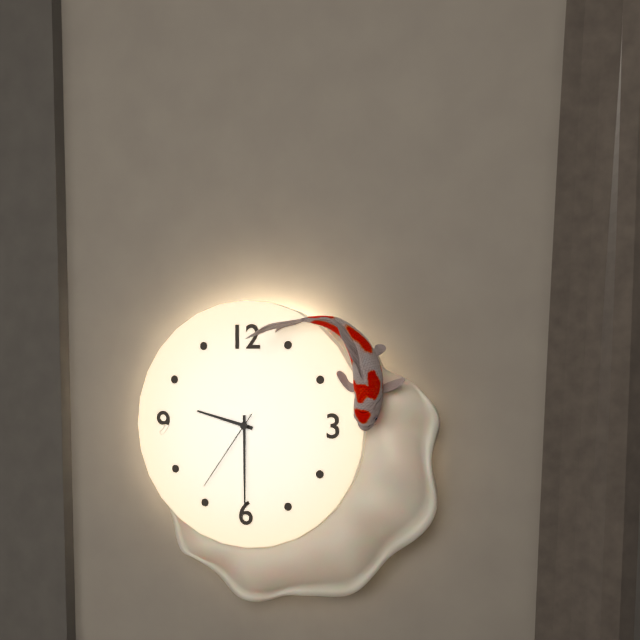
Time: **9:30:36**
